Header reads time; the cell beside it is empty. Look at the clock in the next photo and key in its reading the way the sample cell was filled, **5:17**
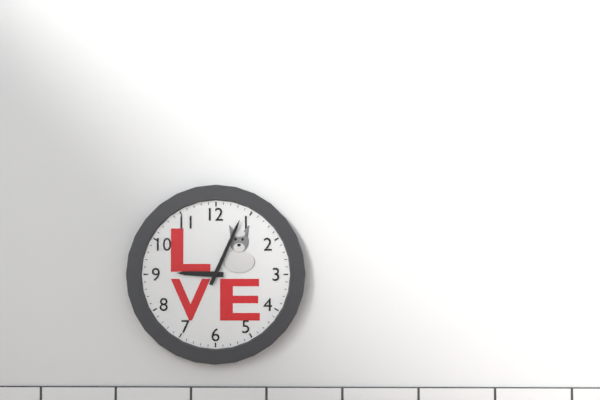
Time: **9:04**
